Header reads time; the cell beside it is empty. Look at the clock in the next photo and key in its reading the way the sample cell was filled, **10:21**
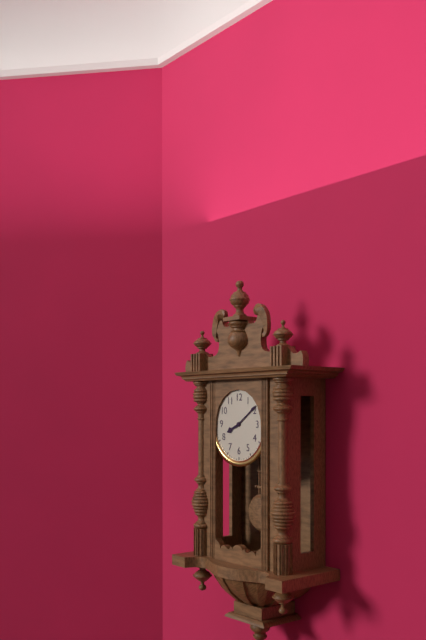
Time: **8:09**
